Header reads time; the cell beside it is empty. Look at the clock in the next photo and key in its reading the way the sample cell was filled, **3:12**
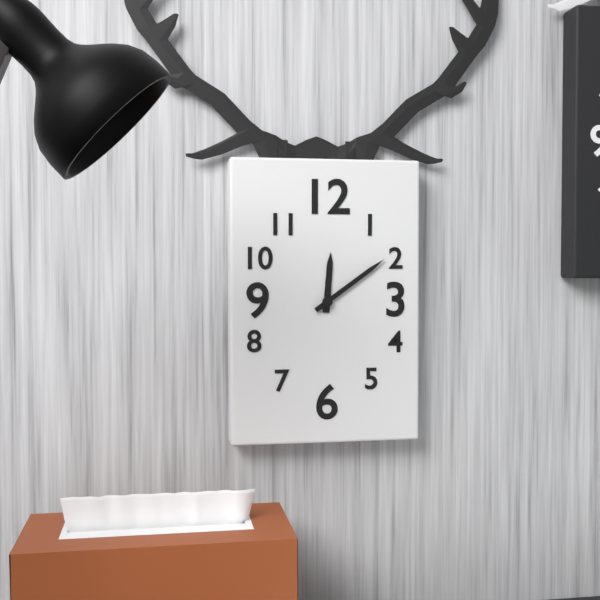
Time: **12:09**
